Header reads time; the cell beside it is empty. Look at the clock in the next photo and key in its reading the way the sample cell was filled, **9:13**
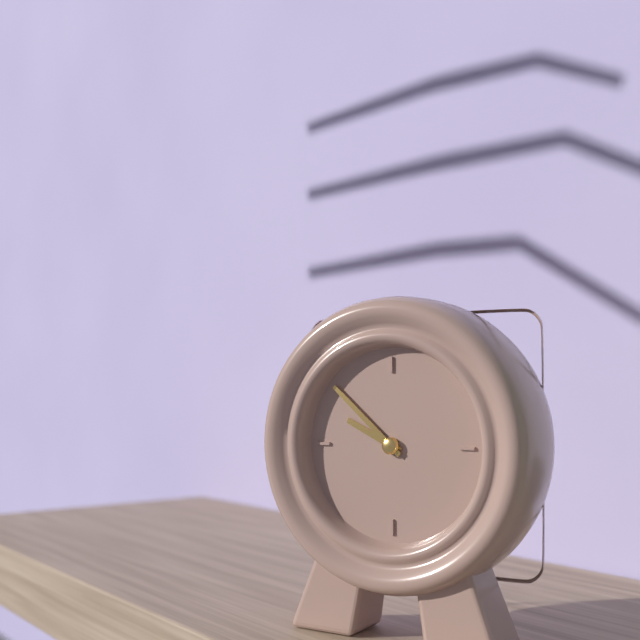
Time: **9:52**
